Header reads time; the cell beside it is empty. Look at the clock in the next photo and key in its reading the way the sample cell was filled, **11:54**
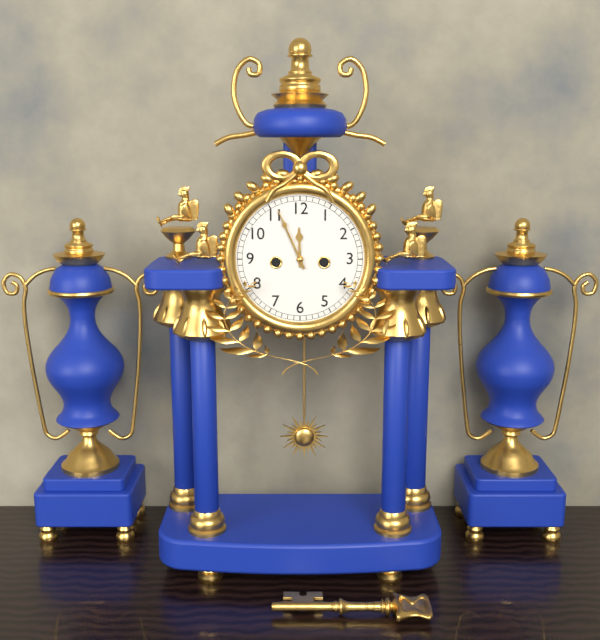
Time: **11:56**
